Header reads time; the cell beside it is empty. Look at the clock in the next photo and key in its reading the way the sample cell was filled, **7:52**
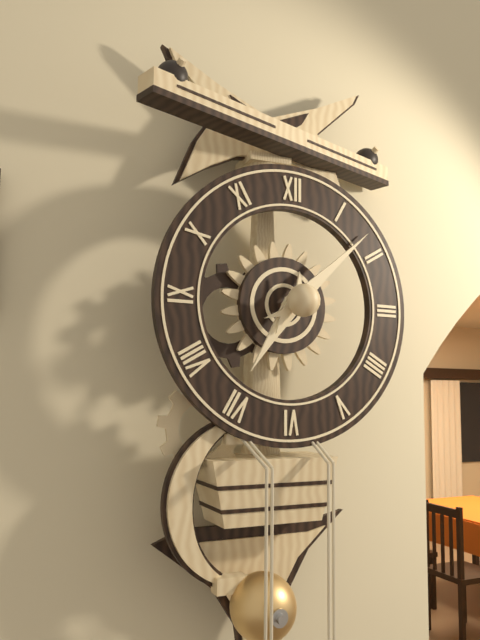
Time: **7:08**
